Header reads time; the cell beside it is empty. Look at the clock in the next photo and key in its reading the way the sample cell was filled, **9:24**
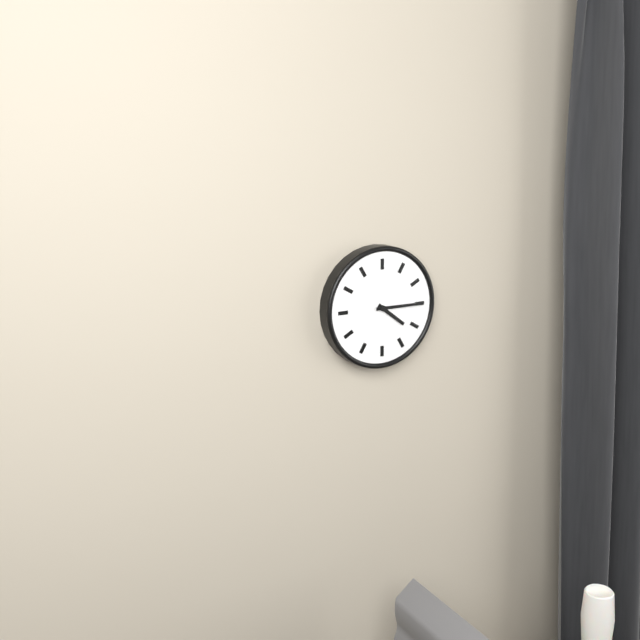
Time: **4:15**
